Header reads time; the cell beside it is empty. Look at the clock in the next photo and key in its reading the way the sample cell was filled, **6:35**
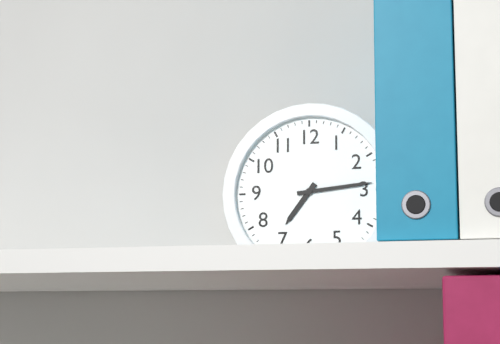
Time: **7:14**
